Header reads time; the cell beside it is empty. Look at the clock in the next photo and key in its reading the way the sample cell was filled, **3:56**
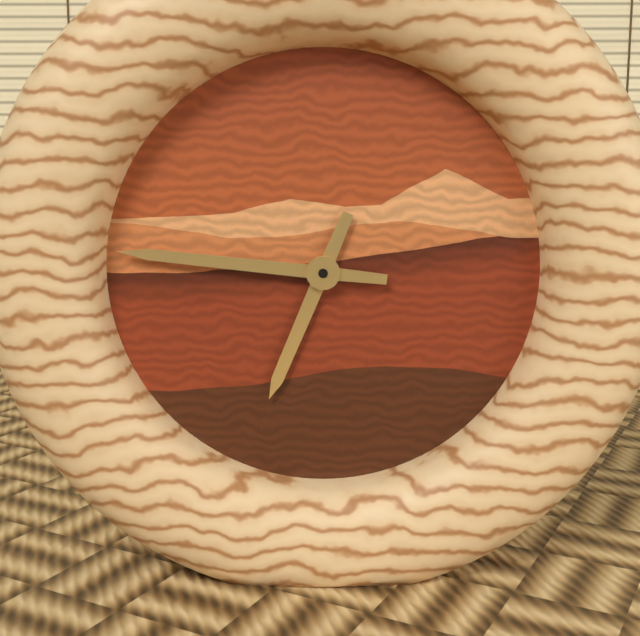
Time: **6:46**
